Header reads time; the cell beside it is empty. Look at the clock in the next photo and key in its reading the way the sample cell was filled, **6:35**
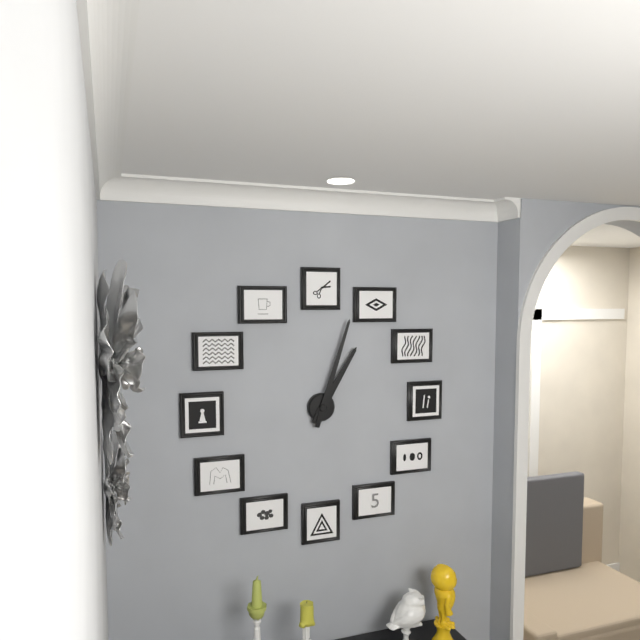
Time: **1:03**
